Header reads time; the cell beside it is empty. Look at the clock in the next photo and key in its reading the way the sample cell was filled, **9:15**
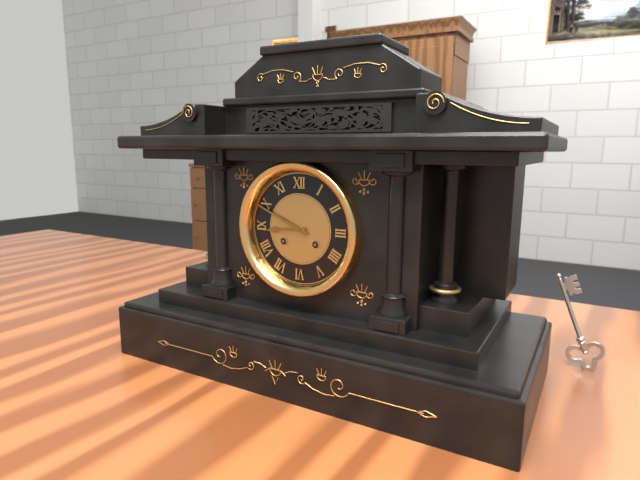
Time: **8:49**
